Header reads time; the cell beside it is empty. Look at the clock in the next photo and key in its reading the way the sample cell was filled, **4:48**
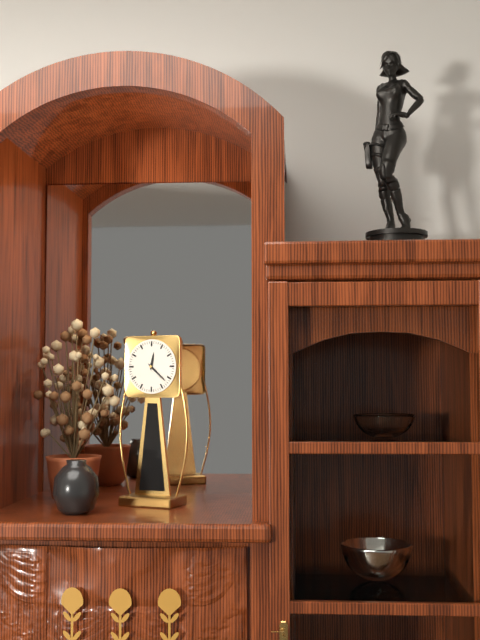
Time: **12:22**
